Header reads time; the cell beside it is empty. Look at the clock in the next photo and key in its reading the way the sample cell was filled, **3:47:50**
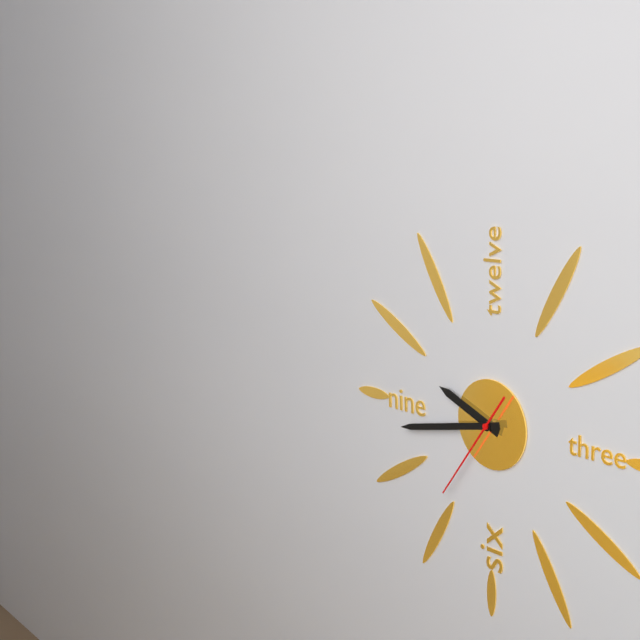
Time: **9:43:36**
